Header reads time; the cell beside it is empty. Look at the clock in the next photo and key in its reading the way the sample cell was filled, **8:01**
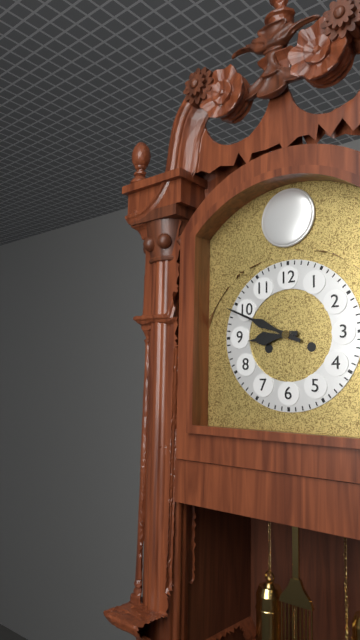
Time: **8:49**
